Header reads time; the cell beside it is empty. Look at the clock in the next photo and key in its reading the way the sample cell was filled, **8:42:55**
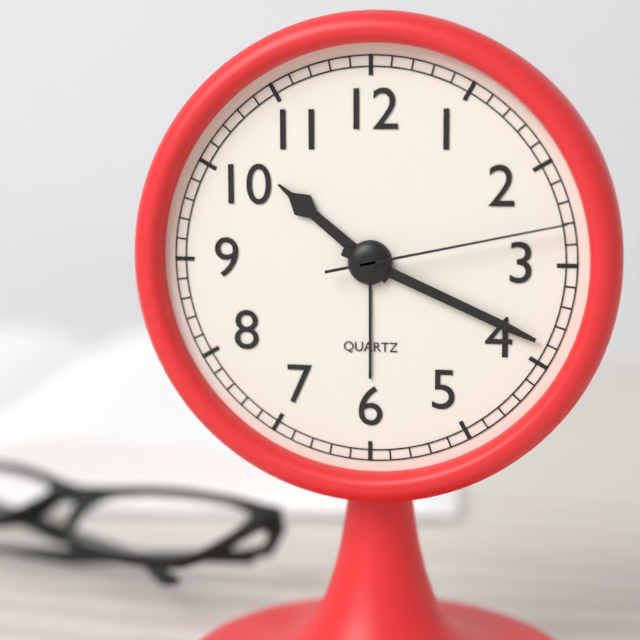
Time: **10:19:13**
